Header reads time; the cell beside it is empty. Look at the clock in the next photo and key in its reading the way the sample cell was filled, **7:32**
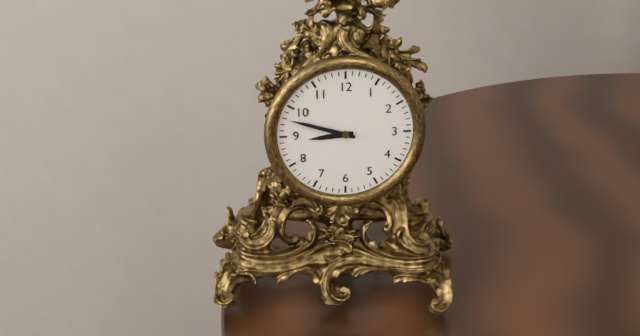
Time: **8:48**
